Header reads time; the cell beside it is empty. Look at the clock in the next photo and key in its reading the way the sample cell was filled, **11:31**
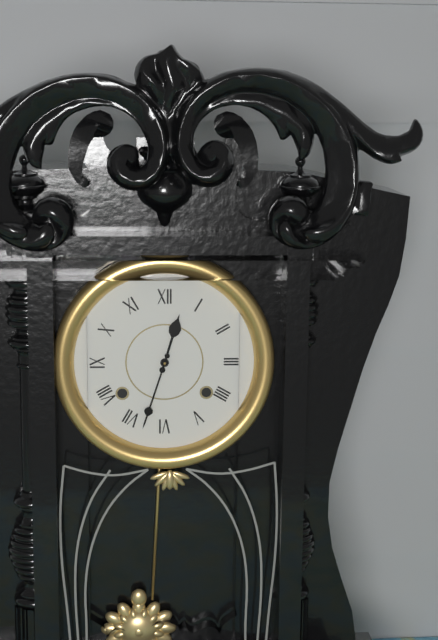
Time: **12:33**
